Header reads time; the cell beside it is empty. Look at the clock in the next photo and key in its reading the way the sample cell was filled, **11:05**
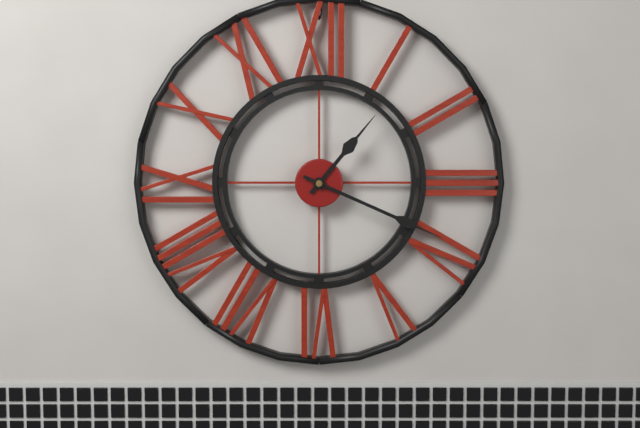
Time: **1:19**
